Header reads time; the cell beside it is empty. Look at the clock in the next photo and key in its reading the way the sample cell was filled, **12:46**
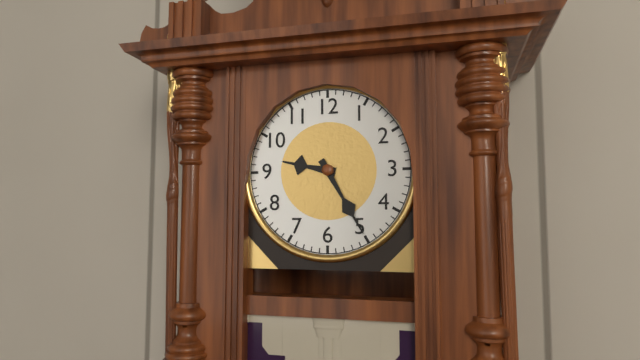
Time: **9:25**
